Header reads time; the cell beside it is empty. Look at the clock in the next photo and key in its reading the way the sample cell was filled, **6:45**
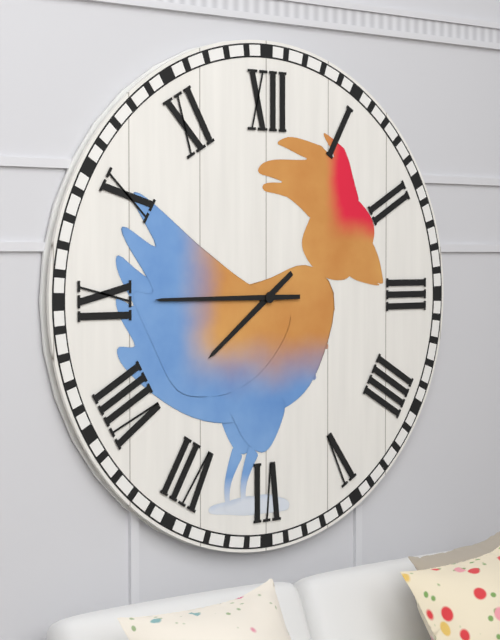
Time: **7:45**
